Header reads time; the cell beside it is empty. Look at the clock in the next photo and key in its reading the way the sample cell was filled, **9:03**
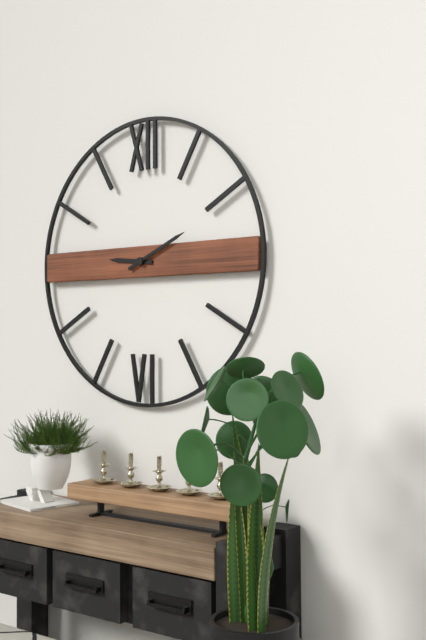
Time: **9:11**
